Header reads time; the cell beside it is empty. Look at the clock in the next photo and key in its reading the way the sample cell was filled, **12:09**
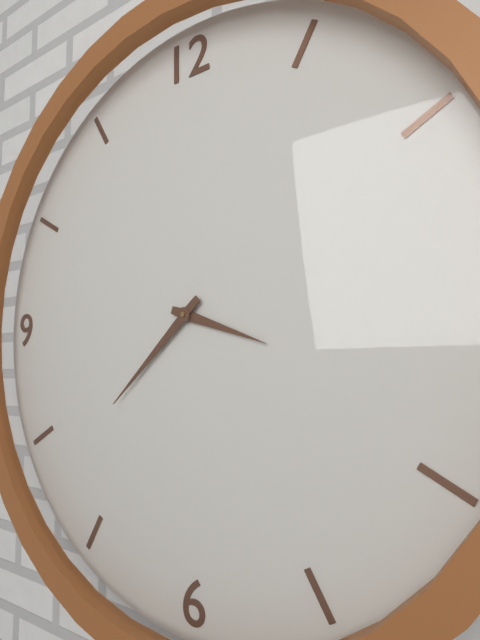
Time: **3:38**
